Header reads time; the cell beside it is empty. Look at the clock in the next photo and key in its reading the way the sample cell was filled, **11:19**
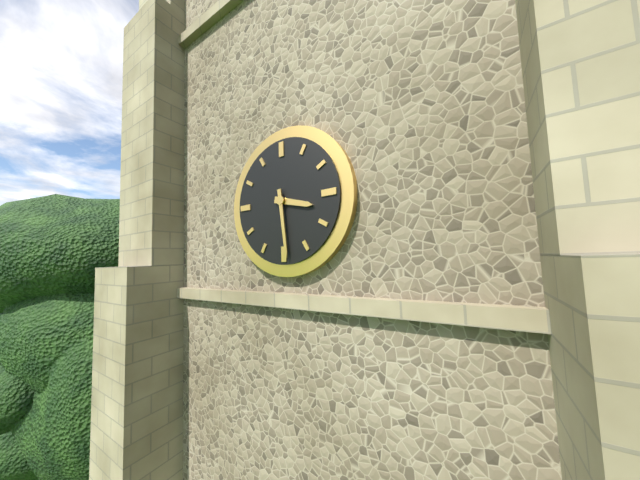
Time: **3:29**
